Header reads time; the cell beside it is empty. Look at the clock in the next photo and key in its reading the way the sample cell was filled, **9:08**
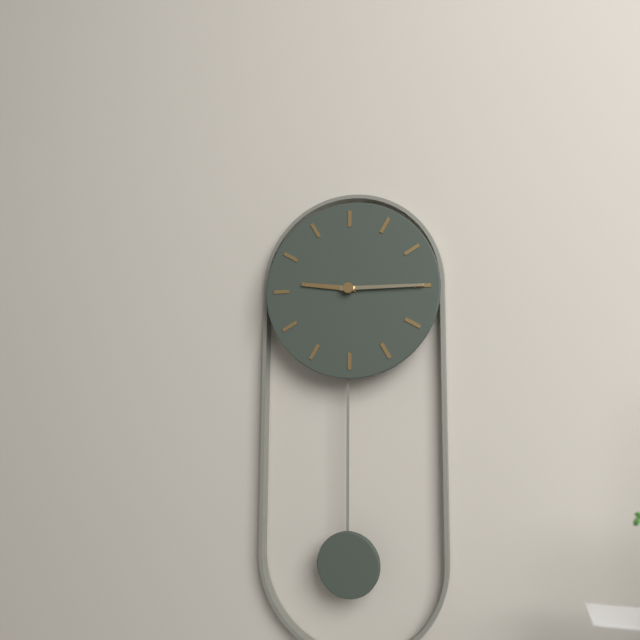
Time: **9:15**
